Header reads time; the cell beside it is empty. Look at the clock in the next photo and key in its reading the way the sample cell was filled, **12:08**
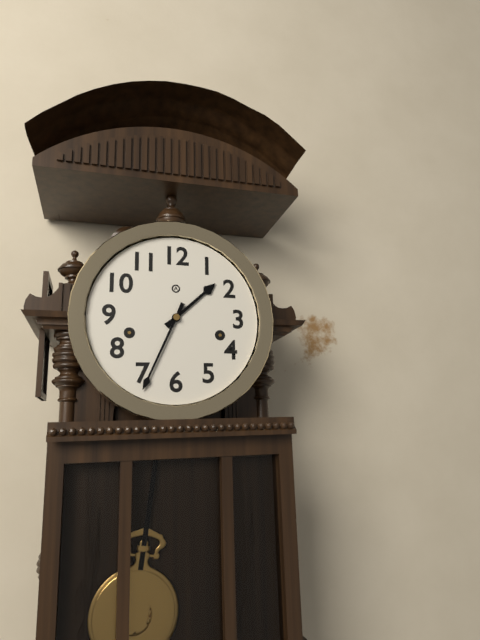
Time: **1:34**
